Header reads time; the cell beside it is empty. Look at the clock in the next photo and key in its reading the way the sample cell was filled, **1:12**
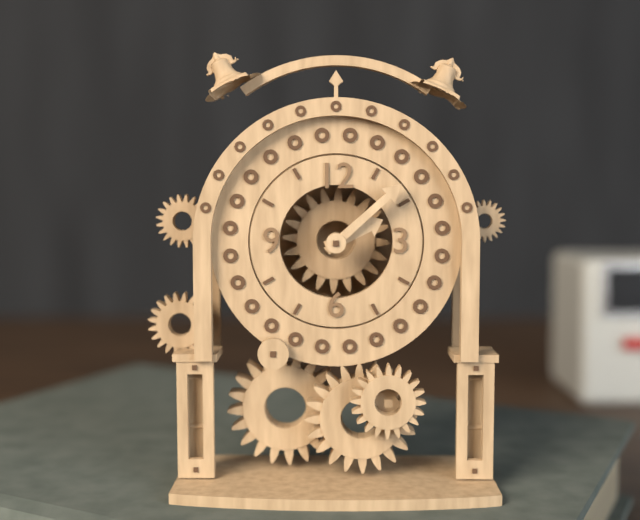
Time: **2:08**
